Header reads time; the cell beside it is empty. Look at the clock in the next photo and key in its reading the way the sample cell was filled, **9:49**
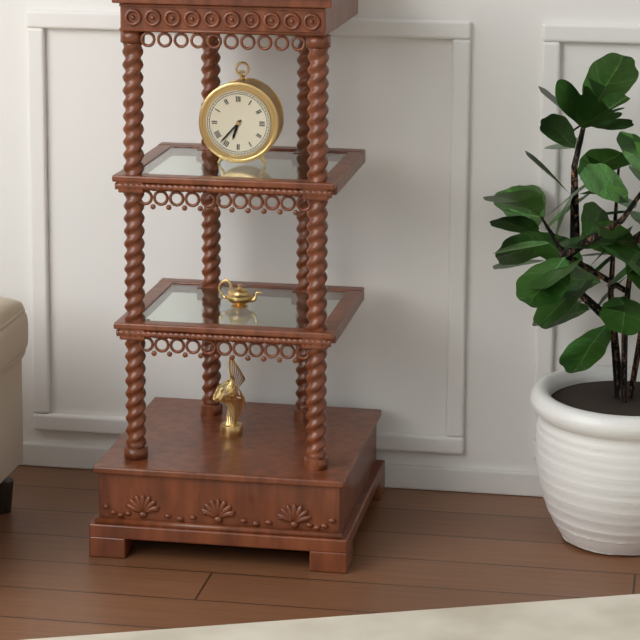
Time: **6:37**
